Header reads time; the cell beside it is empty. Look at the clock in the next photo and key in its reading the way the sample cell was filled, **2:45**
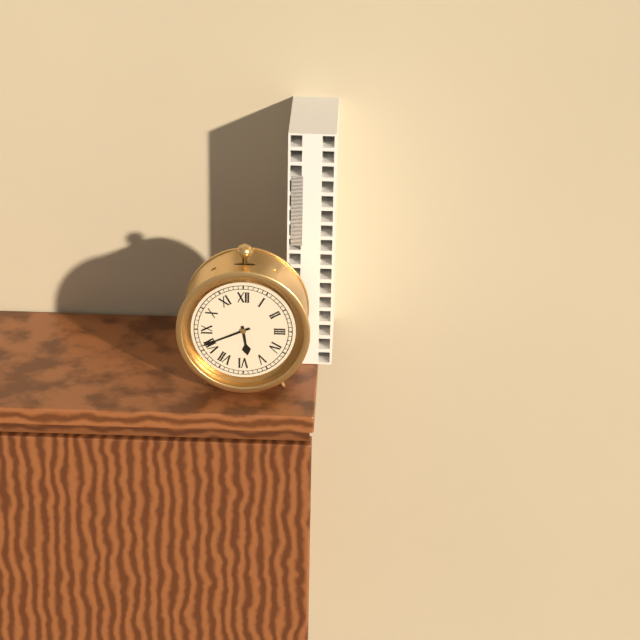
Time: **5:41**
